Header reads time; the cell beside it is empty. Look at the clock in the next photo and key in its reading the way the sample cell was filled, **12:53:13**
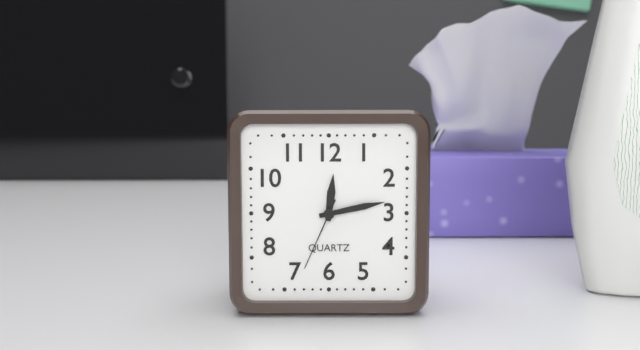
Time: **12:13:34**
